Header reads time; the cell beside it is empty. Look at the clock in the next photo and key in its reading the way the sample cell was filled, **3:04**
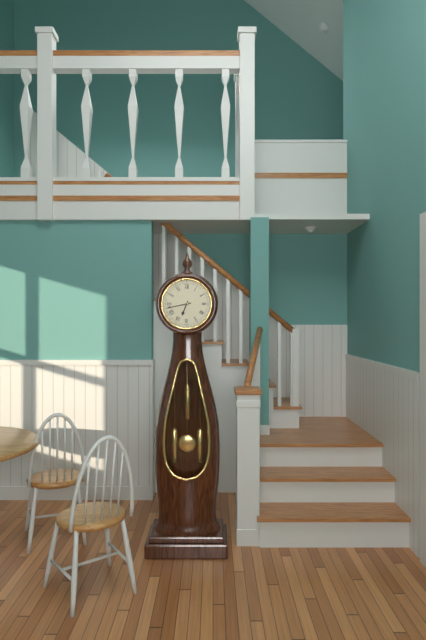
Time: **6:43**
